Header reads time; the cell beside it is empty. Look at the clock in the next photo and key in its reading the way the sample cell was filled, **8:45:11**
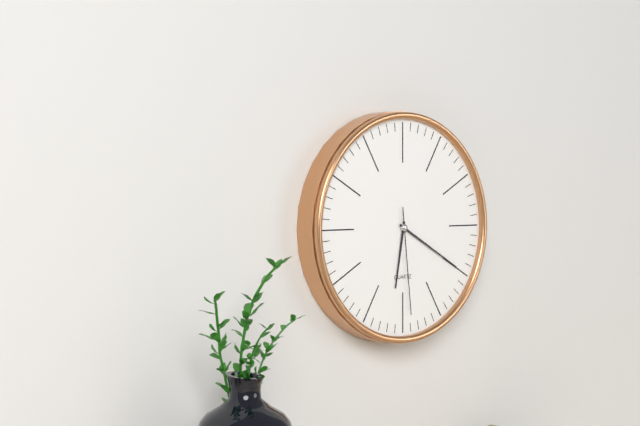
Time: **6:20:29**
